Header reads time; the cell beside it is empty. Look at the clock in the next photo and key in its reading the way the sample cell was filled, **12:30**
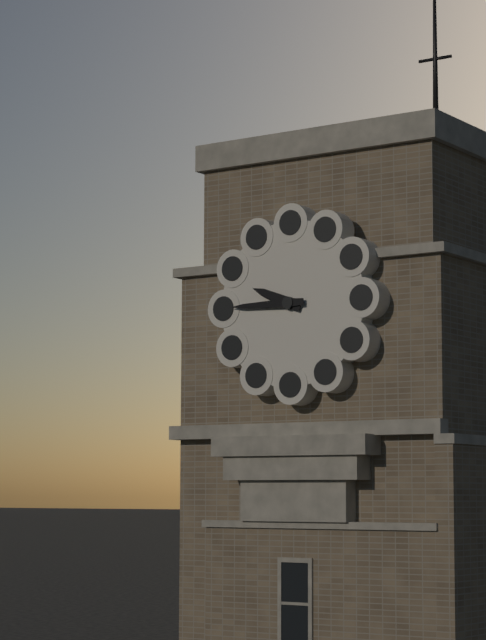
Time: **9:45**
